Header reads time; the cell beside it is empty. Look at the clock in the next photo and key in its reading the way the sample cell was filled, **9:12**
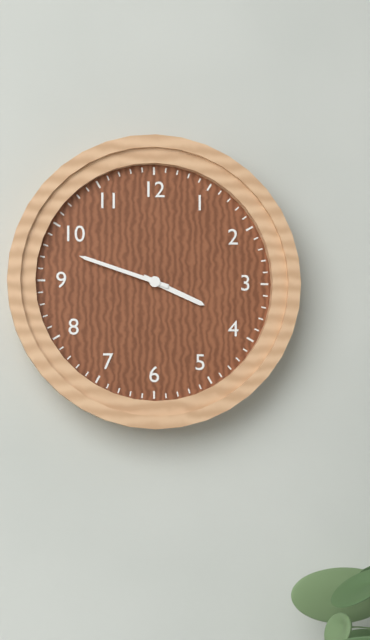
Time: **3:48**
